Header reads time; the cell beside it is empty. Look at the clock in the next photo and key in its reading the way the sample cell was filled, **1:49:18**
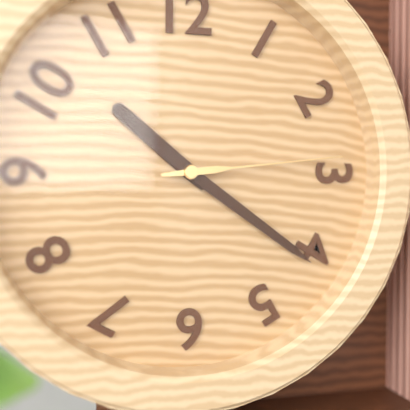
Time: **10:21:14**
